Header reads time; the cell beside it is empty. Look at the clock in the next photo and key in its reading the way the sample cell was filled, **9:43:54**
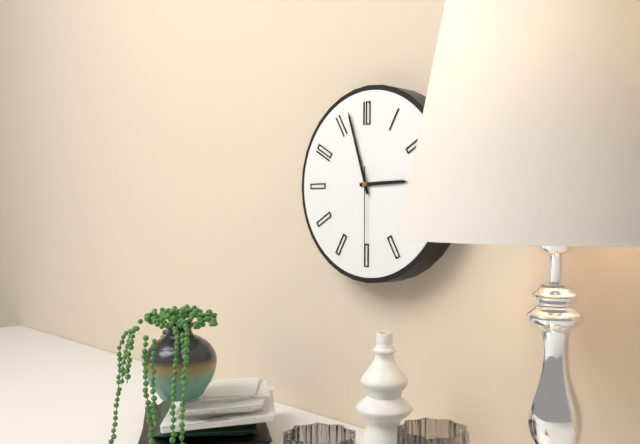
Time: **2:57:30**
